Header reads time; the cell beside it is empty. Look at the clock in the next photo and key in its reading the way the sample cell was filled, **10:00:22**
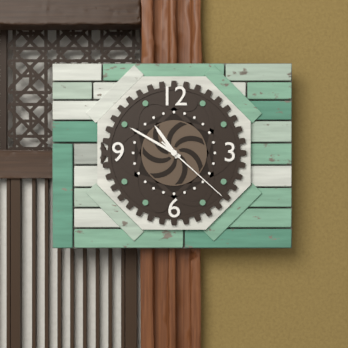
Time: **10:50:22**
